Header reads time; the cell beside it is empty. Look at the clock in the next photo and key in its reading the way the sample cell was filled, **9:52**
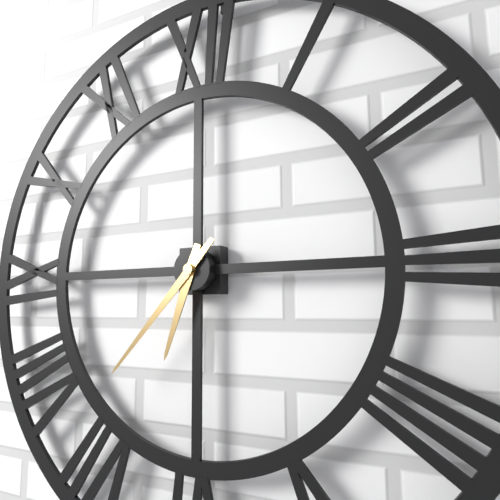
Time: **6:37**
